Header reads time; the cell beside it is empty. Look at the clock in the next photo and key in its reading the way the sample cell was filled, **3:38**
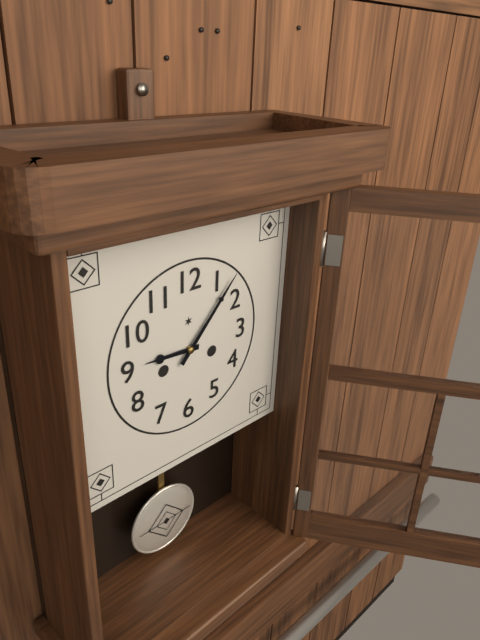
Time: **9:07**
